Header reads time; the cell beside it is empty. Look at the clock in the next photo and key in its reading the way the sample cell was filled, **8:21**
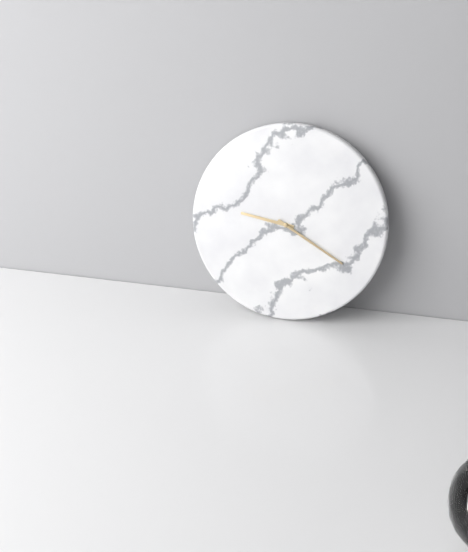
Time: **9:20**
